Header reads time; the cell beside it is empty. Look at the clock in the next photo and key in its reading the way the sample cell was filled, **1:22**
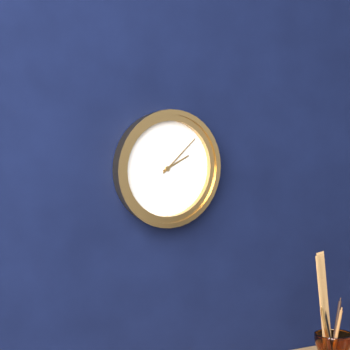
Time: **2:08**
